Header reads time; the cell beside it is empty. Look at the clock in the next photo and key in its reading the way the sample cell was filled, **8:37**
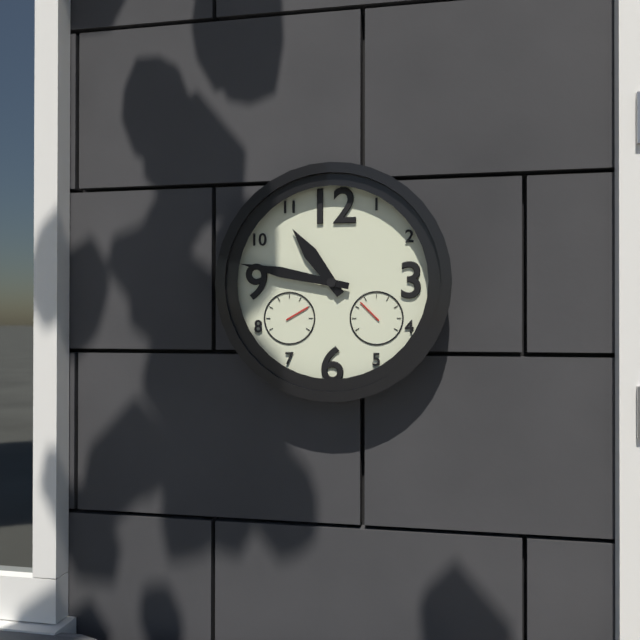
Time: **10:47**
